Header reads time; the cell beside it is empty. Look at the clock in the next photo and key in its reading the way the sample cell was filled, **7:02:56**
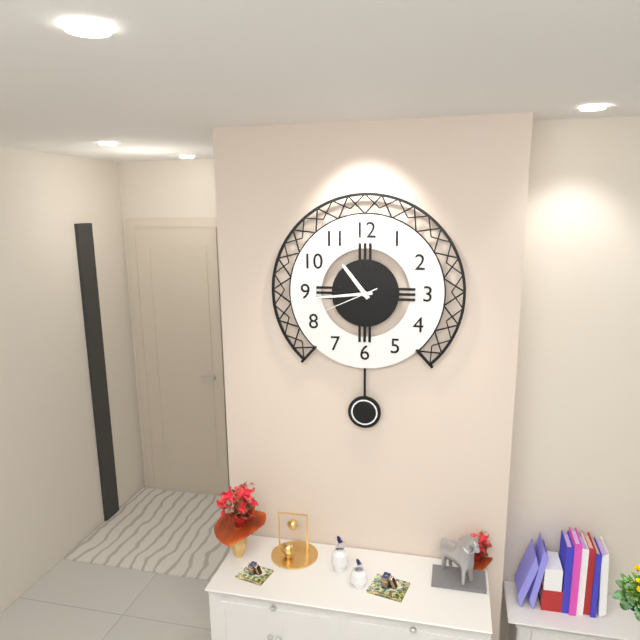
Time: **10:44:41**
